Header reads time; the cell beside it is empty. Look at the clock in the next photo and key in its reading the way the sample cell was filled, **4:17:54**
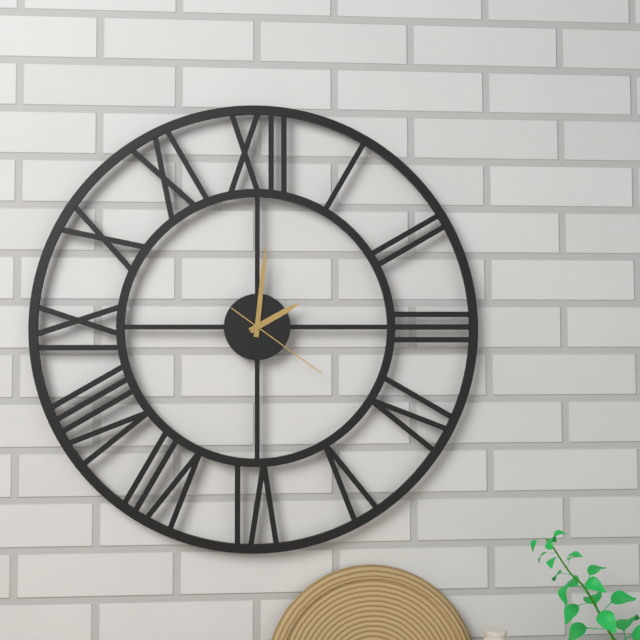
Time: **2:01:21**
